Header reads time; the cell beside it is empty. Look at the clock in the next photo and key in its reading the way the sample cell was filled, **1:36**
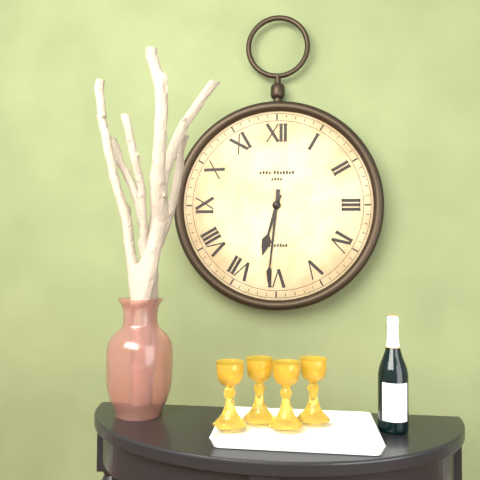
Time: **6:31**
